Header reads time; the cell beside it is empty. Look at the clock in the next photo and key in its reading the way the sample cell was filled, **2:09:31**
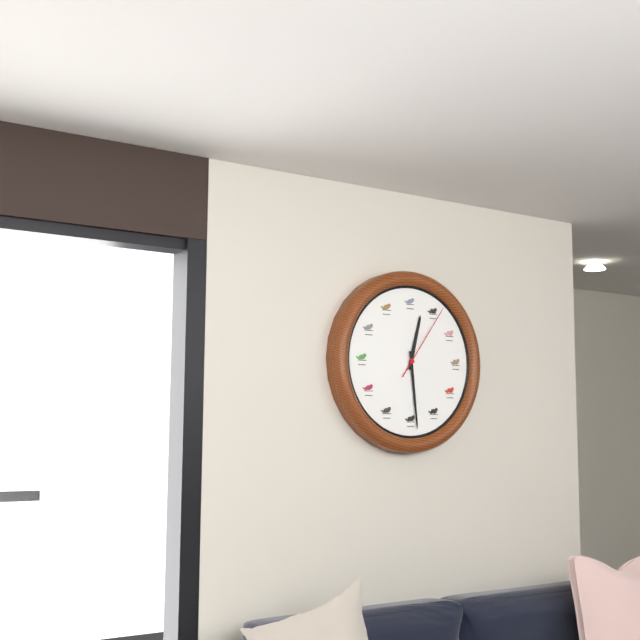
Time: **12:29:06**
